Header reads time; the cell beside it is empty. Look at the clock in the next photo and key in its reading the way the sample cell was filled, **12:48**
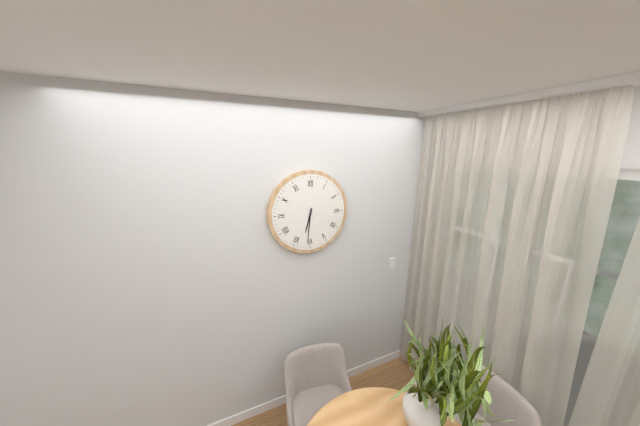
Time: **6:31**
